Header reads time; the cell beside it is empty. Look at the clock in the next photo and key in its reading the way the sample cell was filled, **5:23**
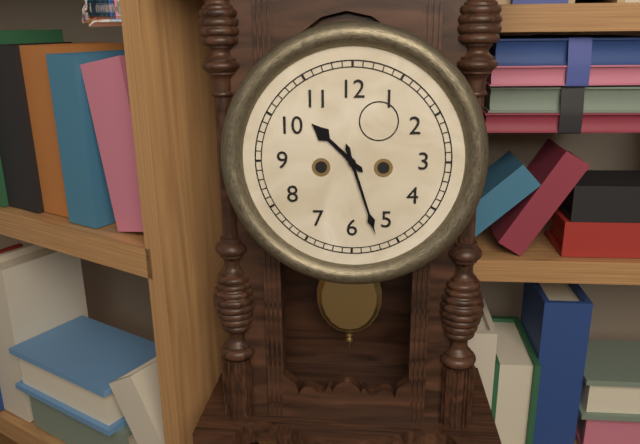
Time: **10:27**
